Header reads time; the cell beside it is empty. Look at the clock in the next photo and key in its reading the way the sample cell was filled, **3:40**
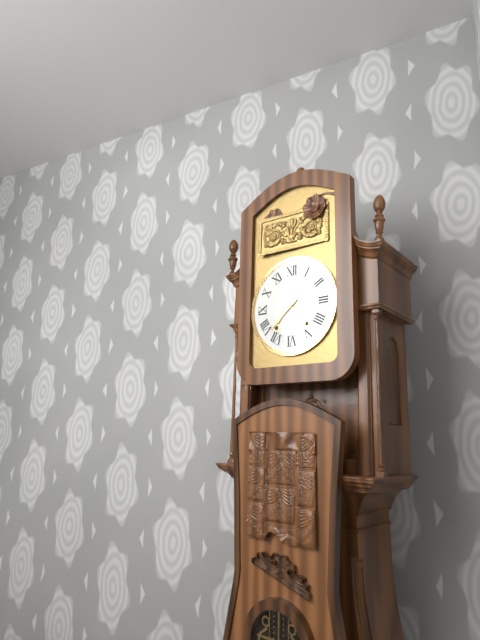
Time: **4:38**
